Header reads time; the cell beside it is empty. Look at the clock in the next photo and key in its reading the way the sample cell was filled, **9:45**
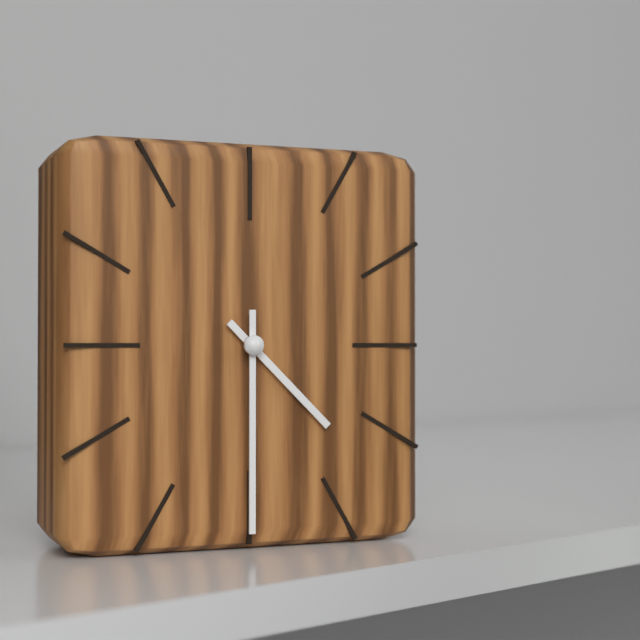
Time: **4:30**
